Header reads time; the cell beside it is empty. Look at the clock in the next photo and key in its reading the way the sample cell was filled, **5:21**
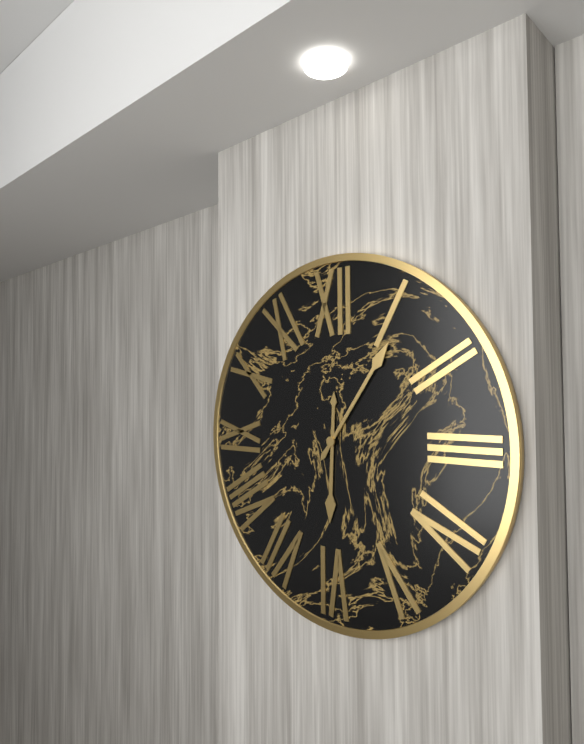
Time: **6:06**
